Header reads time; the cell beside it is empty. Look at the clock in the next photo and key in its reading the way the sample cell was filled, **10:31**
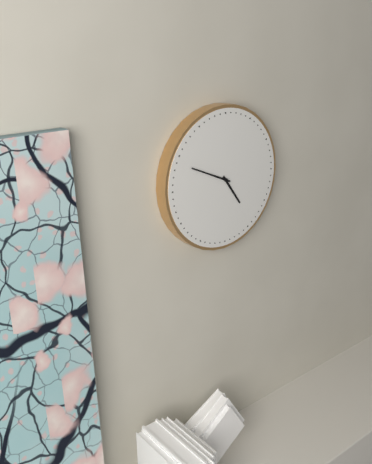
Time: **4:49**
